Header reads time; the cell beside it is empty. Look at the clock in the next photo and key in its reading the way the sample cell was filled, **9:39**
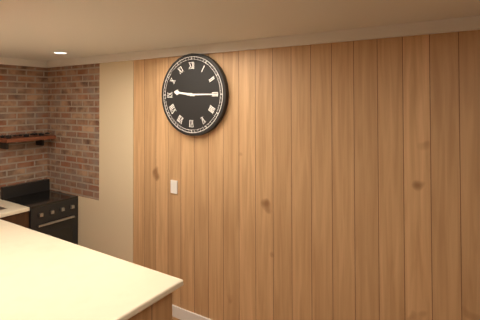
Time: **9:15**
